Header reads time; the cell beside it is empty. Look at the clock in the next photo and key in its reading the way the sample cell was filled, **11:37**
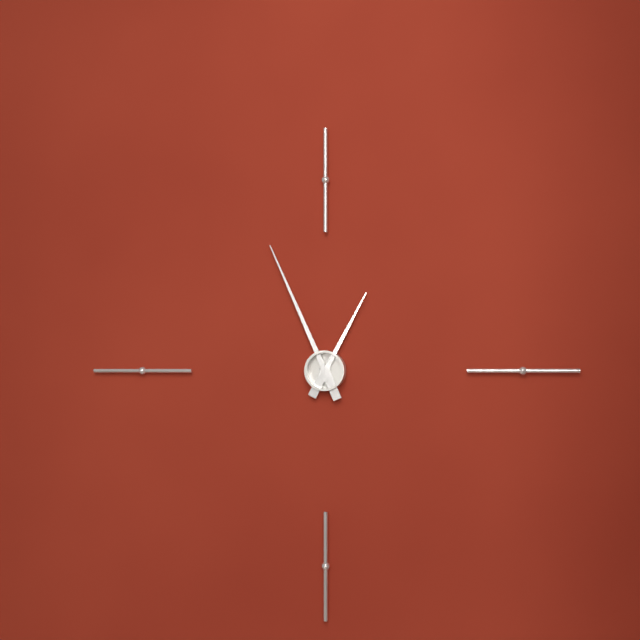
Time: **12:56**
